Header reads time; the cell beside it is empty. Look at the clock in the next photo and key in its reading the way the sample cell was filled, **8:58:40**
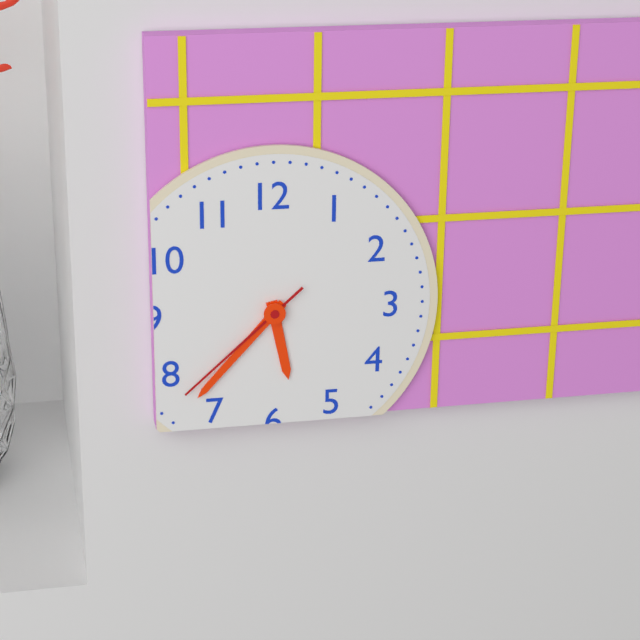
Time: **5:37:38**
